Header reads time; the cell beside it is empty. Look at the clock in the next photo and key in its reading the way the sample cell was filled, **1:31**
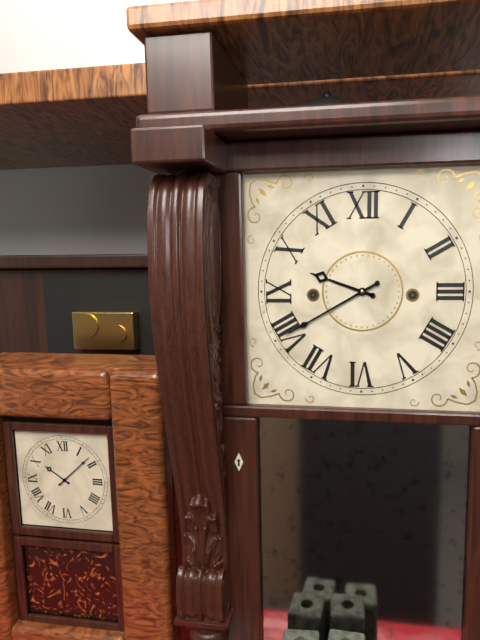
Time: **9:40**
